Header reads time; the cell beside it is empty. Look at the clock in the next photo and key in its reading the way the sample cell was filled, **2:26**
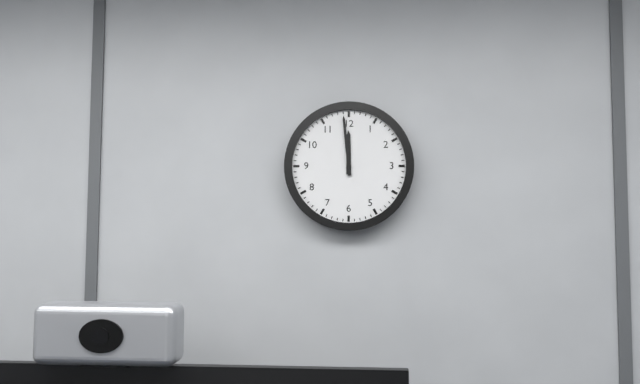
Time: **11:59**
